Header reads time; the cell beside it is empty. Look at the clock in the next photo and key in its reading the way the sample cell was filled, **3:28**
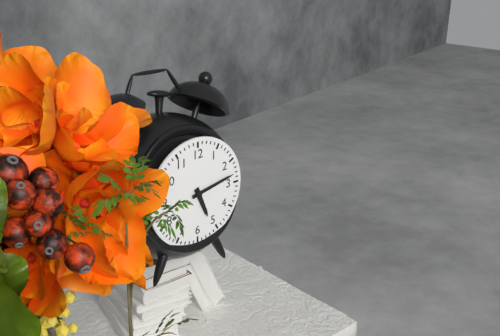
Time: **5:13**
